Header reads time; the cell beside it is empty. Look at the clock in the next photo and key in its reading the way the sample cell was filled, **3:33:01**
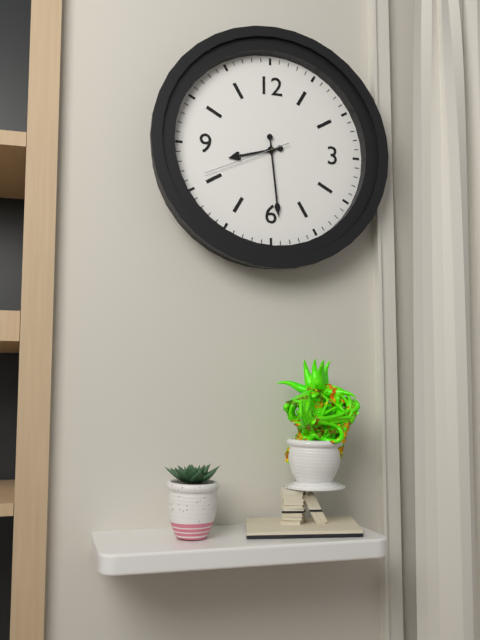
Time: **8:29:41**
